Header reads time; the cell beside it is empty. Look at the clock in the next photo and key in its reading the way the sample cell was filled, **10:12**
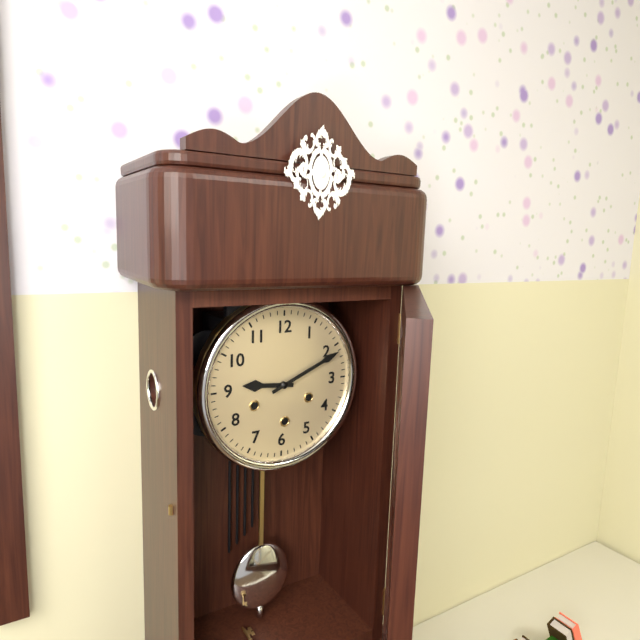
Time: **9:11**
